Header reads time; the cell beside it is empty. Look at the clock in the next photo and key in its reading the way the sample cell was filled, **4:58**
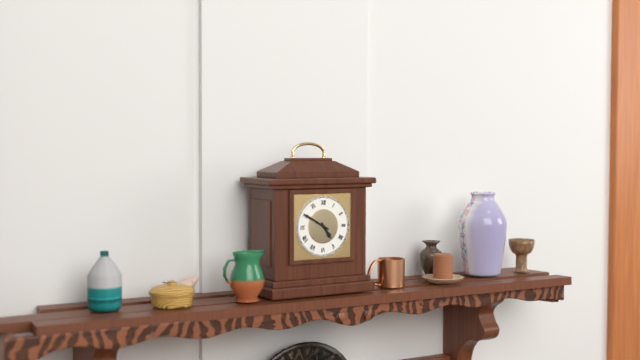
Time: **4:50**
